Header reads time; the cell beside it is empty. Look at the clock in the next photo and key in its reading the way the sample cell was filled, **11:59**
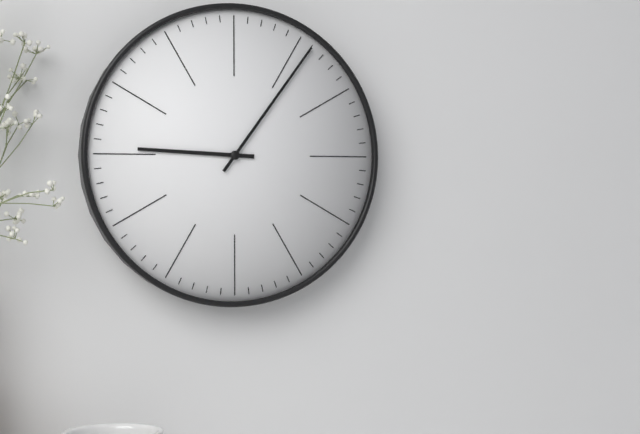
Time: **9:06**
